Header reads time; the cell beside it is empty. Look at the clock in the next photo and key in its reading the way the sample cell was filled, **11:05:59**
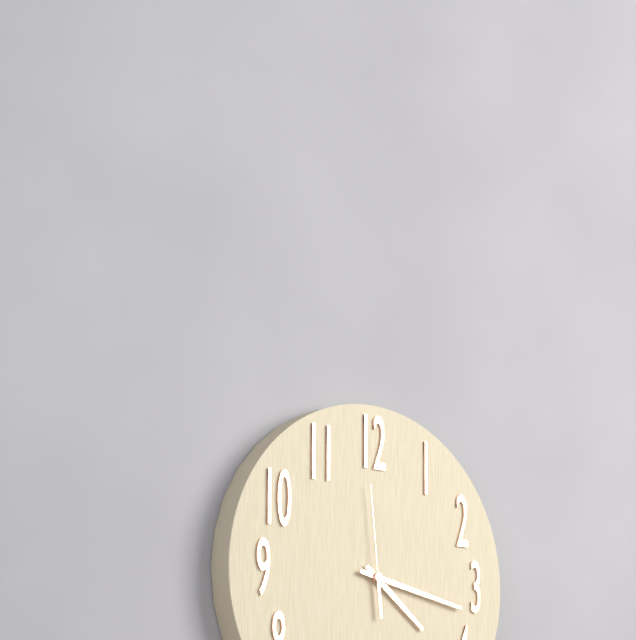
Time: **4:17:59**
